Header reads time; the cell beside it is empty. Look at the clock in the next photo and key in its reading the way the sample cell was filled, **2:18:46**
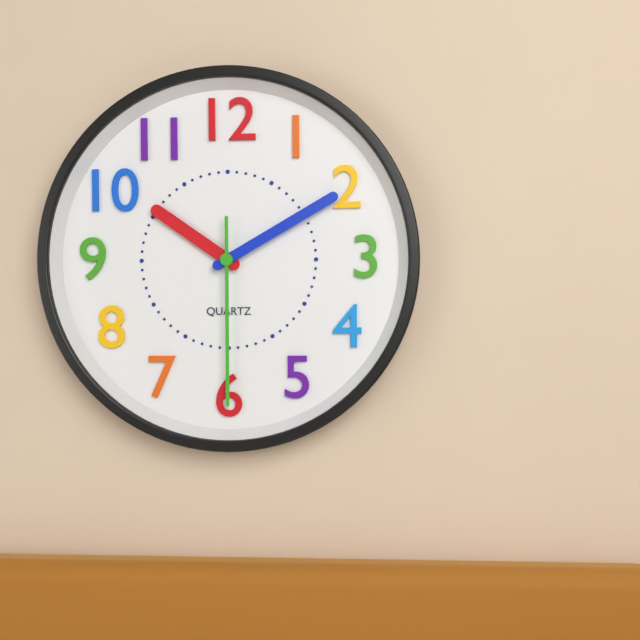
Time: **10:10:30**
